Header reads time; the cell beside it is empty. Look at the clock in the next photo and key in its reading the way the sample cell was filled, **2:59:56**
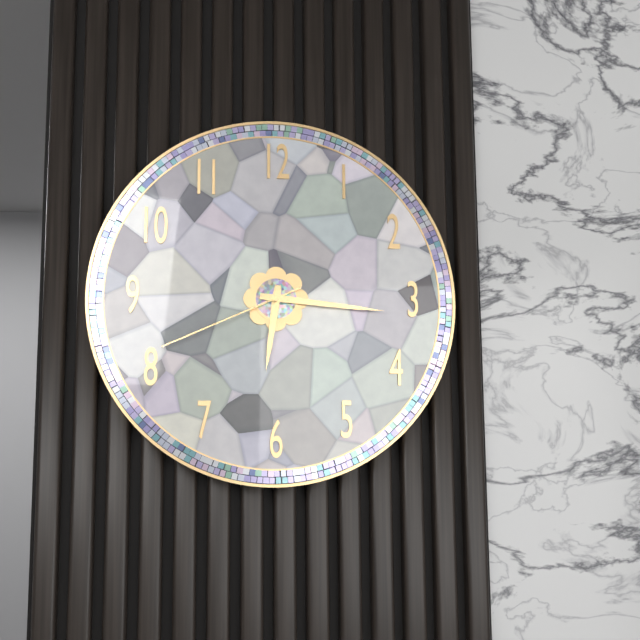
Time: **6:16:41**
